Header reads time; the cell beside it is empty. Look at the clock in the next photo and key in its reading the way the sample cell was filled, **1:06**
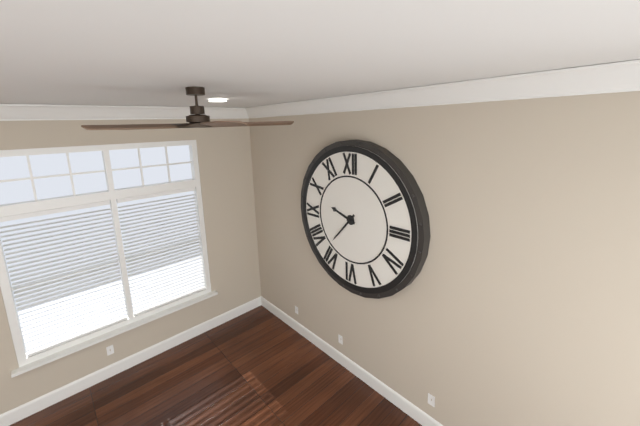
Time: **9:37**
